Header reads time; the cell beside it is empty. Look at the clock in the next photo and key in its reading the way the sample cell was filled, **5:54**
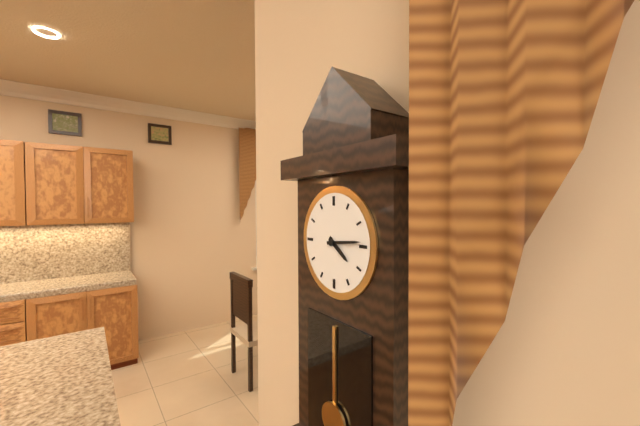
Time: **4:14**
